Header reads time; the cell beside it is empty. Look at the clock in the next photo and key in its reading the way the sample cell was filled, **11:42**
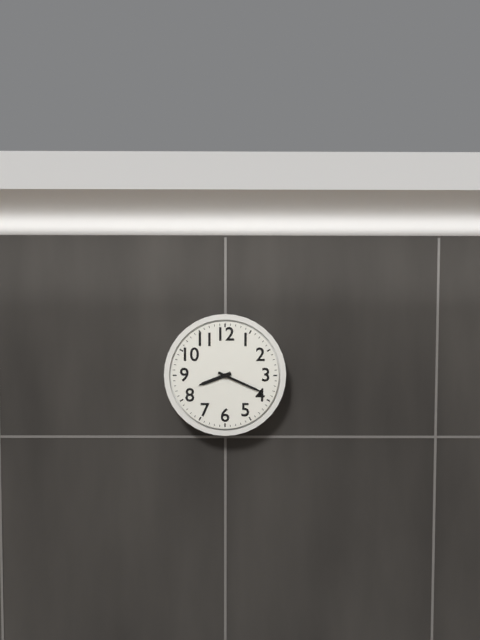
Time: **8:19**
